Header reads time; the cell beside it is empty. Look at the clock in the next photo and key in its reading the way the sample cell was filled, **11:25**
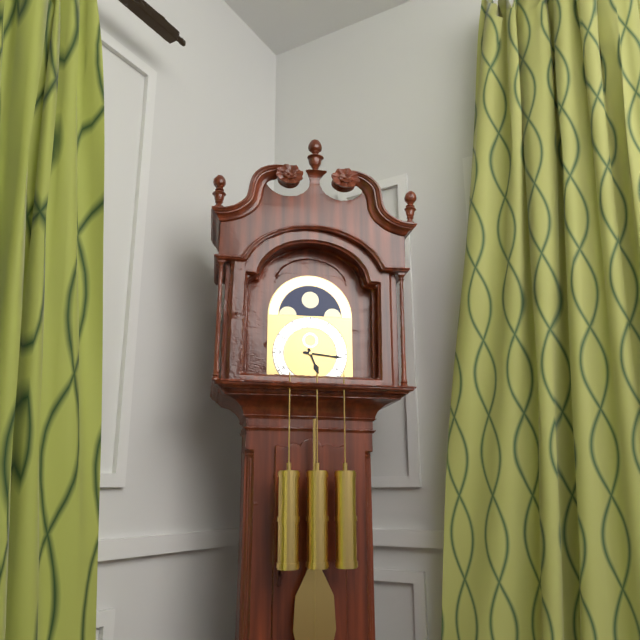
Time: **5:16**
